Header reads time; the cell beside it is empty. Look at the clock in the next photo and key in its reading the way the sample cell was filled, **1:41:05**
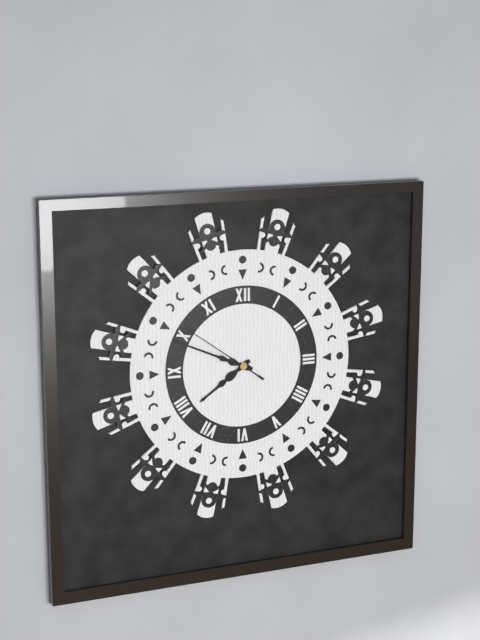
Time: **7:49:51**
